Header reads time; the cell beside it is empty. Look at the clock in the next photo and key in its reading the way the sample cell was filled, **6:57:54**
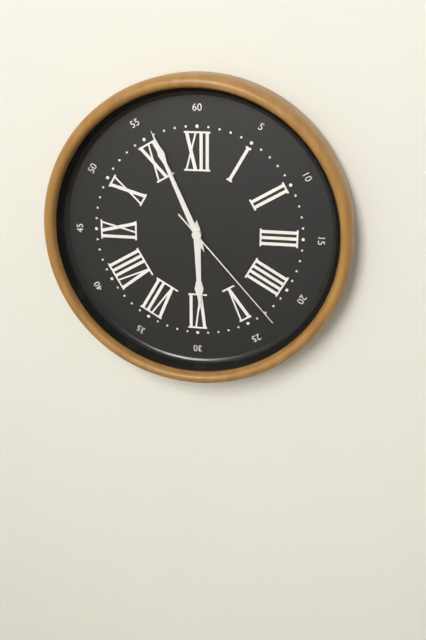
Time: **5:56:23**
